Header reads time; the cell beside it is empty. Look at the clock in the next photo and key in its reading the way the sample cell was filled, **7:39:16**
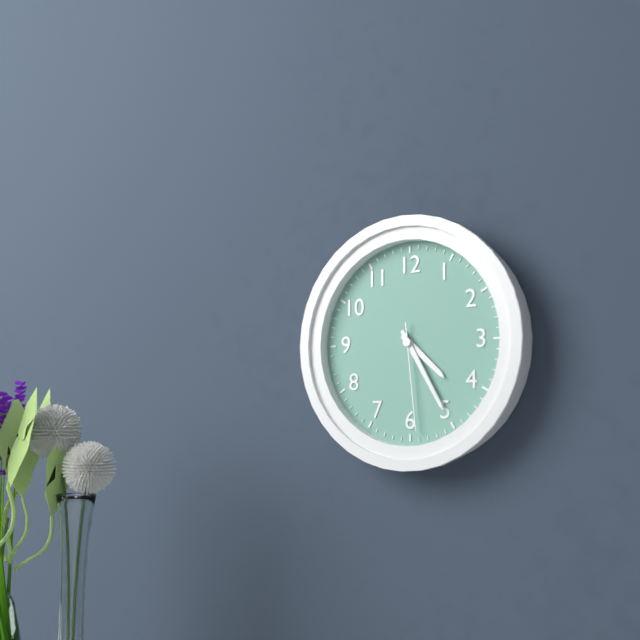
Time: **4:25:29**
